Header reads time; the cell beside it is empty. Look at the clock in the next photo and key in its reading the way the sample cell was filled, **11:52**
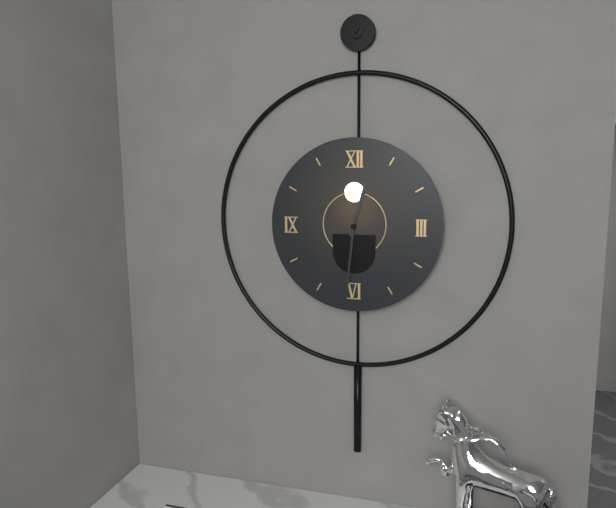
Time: **12:31**
